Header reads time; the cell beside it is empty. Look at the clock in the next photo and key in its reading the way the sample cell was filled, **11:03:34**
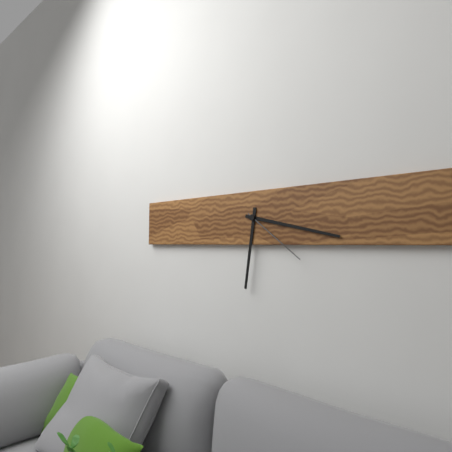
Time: **6:17:21**
